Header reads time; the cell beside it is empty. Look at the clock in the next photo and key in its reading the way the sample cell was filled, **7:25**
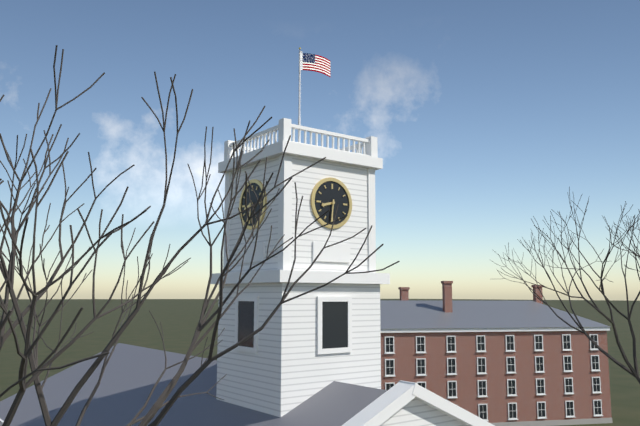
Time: **8:31**
